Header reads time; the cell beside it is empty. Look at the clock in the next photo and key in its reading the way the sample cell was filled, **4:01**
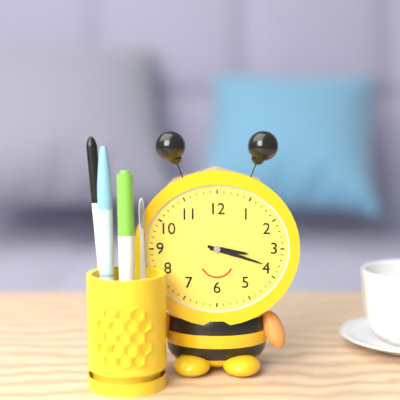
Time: **3:18**
